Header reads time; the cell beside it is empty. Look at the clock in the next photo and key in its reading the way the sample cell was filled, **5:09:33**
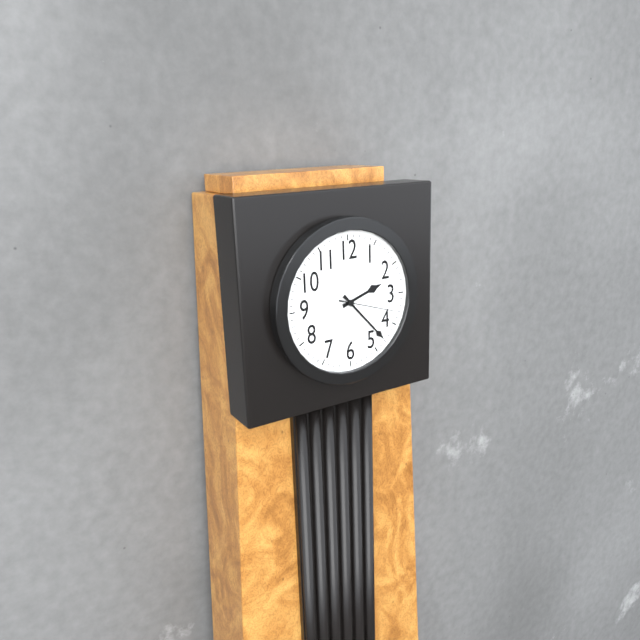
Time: **2:23:18**
